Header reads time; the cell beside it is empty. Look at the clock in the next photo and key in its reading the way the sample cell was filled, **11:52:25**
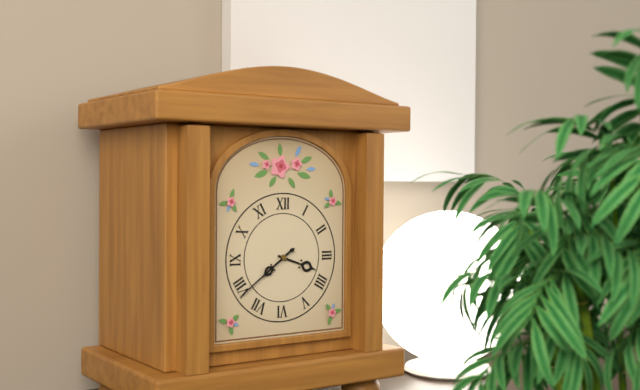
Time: **3:39:39**
